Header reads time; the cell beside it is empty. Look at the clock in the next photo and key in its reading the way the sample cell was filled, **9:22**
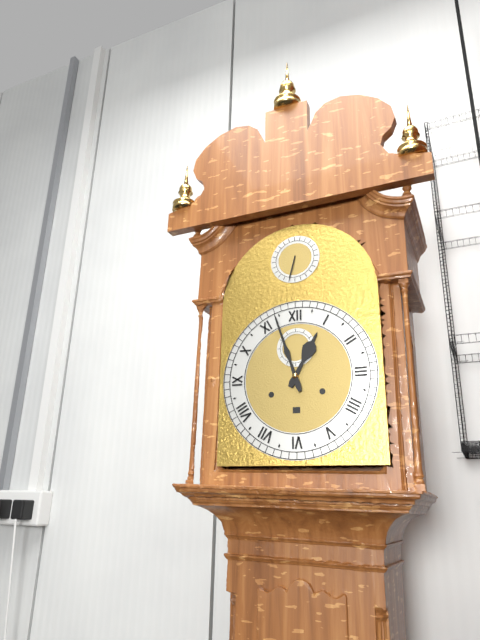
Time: **12:57**
